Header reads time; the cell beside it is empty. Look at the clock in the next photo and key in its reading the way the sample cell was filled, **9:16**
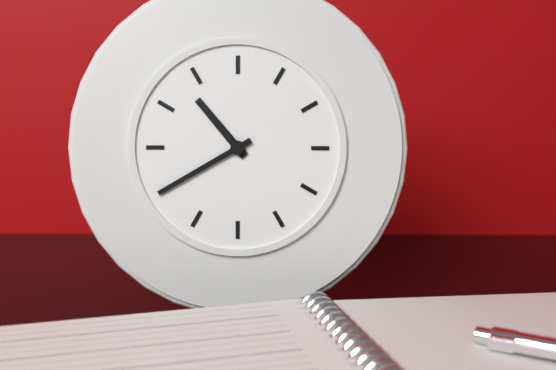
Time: **10:40**
